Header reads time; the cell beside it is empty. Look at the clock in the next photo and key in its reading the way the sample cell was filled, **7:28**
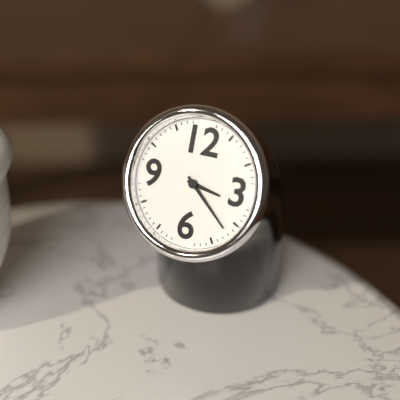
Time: **3:22**
